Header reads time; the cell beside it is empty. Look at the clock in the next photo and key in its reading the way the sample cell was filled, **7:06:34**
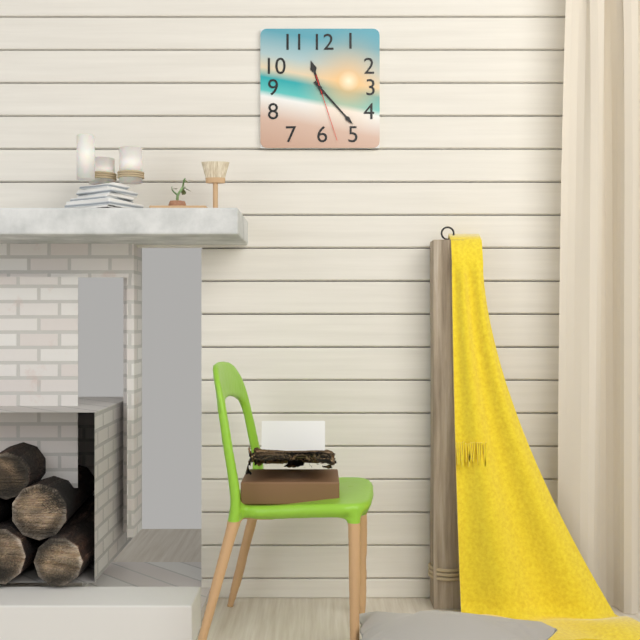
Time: **11:23:27**
